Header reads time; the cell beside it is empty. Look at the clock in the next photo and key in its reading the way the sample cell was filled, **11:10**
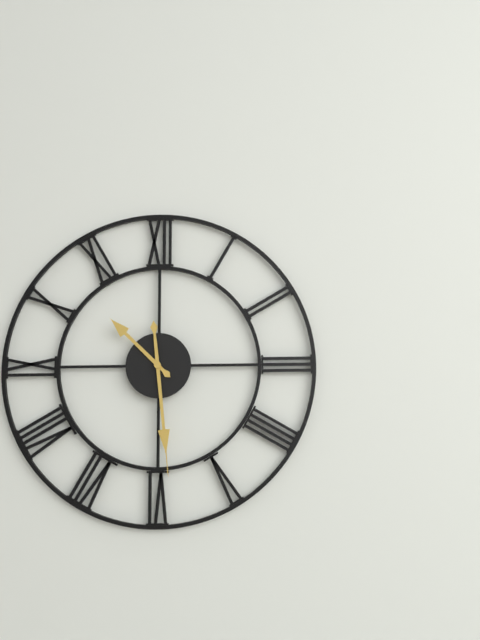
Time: **10:29**
